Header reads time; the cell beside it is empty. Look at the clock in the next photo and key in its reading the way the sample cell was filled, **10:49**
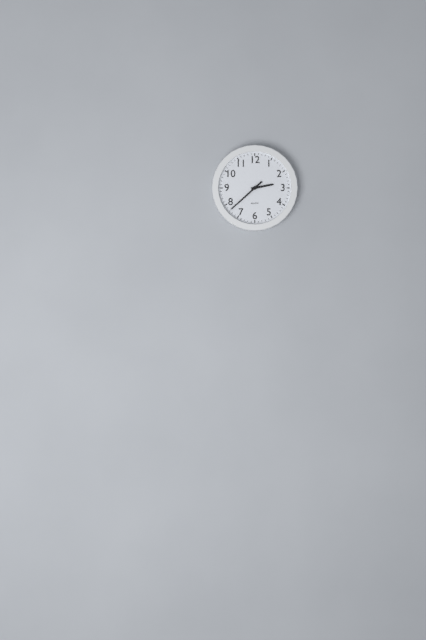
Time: **2:38**
